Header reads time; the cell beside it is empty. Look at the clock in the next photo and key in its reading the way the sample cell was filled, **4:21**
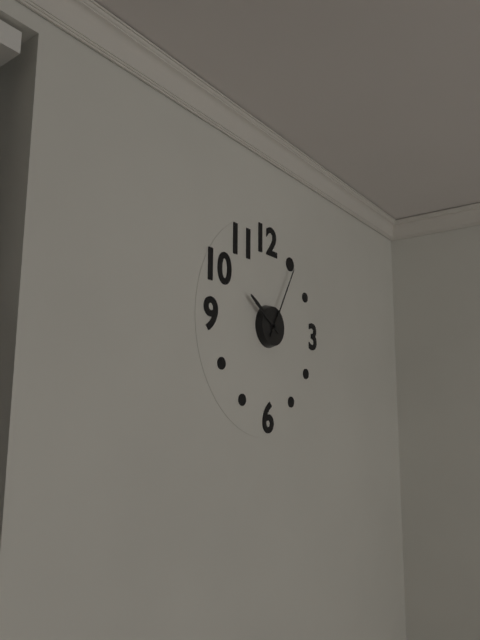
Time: **10:05**
